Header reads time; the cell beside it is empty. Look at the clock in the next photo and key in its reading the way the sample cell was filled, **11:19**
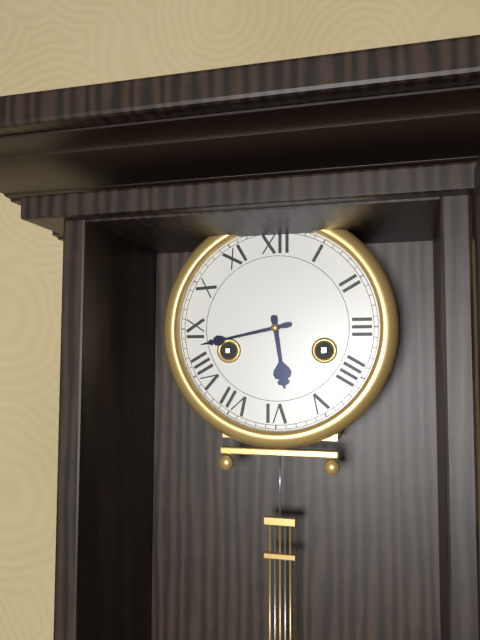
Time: **5:43**
